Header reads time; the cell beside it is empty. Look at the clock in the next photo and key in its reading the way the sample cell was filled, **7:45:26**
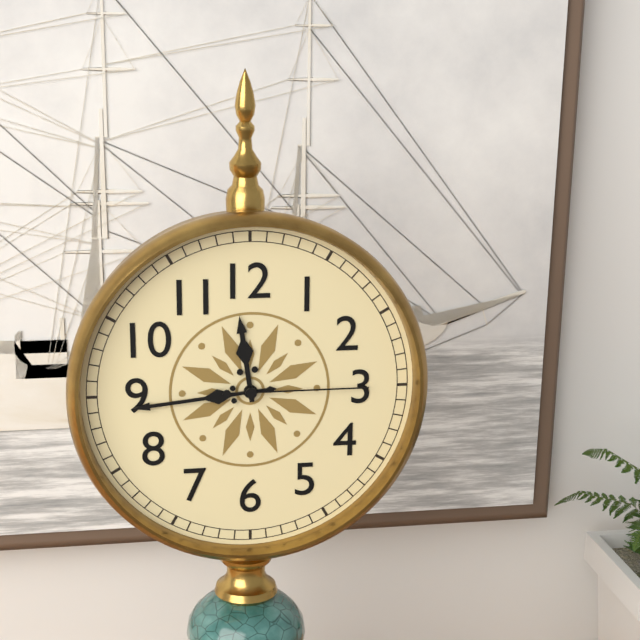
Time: **11:44:15**
